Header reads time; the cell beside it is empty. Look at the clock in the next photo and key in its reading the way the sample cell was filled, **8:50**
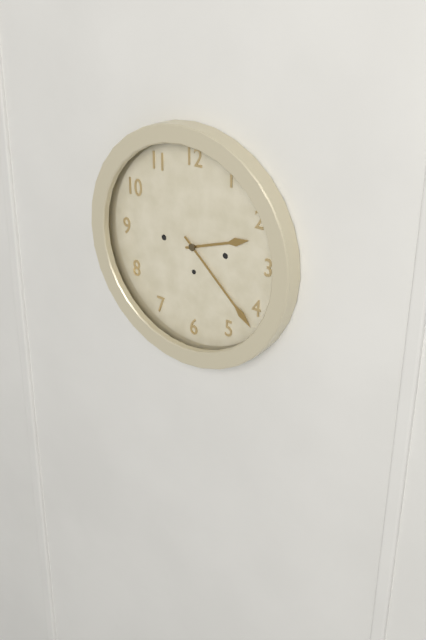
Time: **2:22**
